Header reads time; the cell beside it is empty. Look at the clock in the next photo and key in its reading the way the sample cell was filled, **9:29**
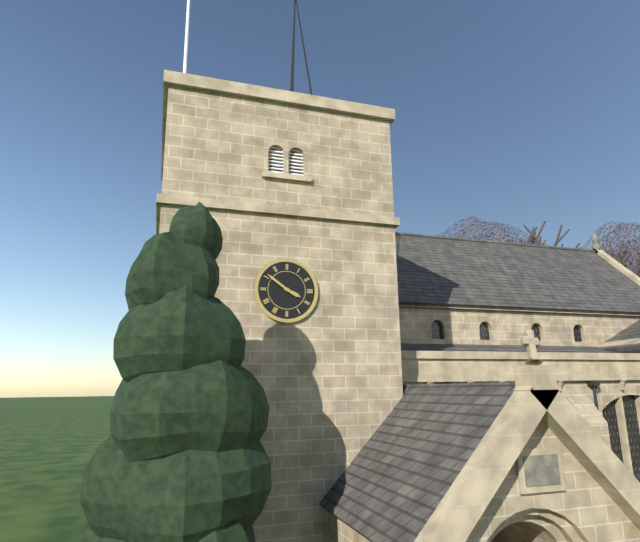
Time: **3:51**
